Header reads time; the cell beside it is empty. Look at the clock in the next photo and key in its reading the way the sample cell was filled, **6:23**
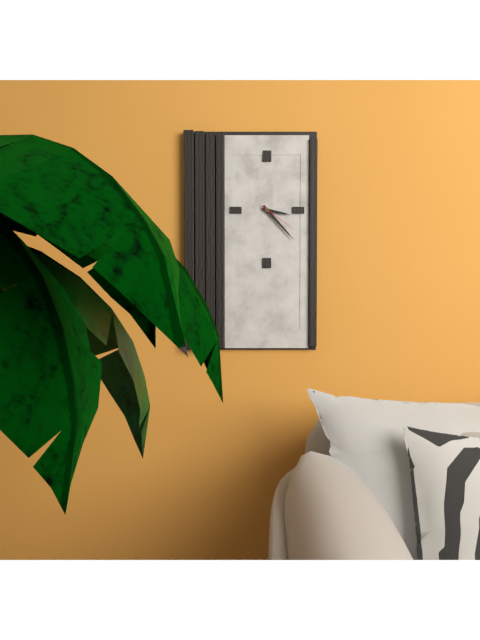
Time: **3:23**
